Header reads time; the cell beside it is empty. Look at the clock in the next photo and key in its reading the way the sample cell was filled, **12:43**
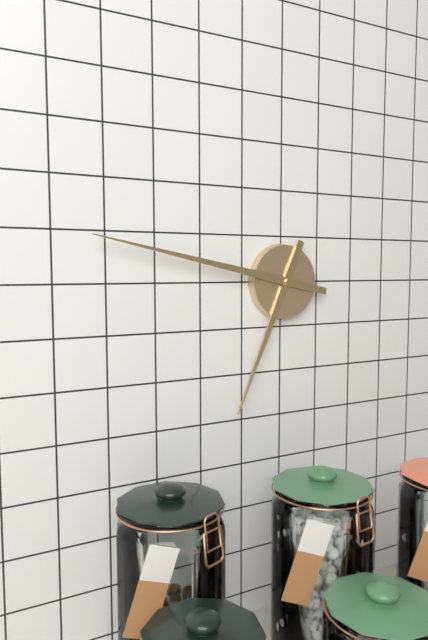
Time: **6:47**
